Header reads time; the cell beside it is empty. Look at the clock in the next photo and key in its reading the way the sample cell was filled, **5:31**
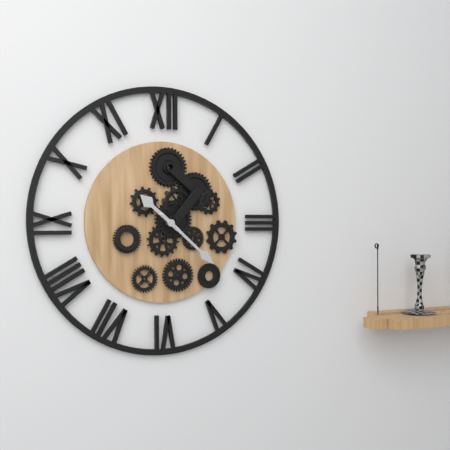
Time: **10:22**
